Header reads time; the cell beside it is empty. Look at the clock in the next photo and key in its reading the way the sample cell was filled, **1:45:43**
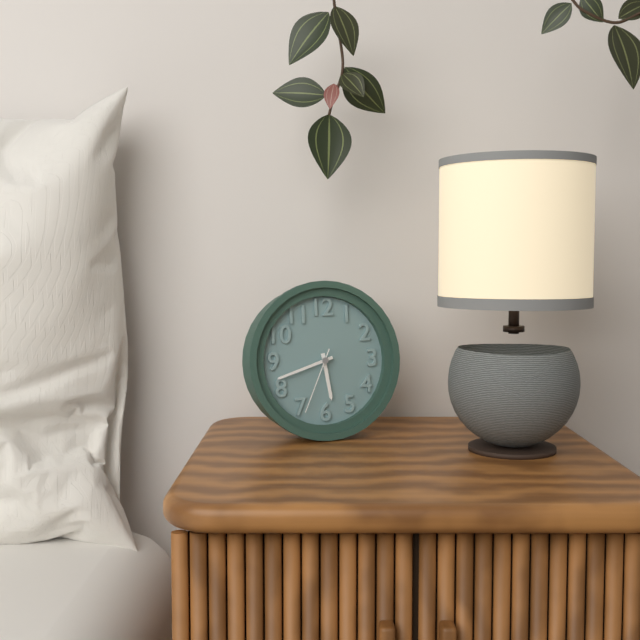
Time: **5:42:34**
